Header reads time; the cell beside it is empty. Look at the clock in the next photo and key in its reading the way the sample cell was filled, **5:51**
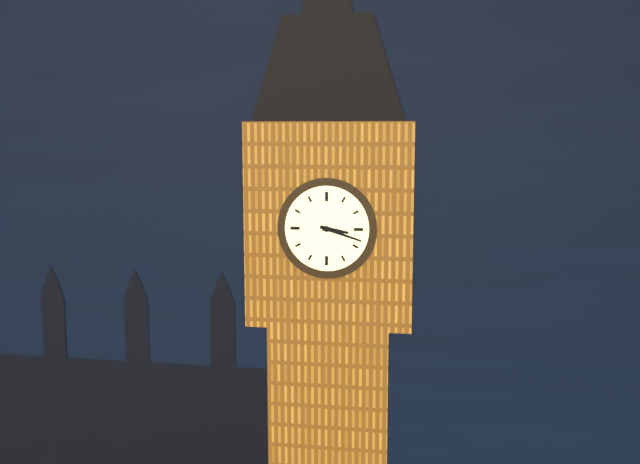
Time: **3:18**
